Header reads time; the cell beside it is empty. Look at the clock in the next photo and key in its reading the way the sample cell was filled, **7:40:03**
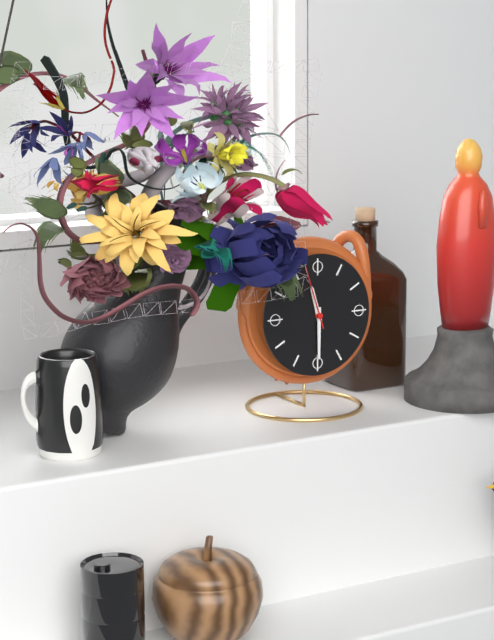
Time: **11:30:57**
